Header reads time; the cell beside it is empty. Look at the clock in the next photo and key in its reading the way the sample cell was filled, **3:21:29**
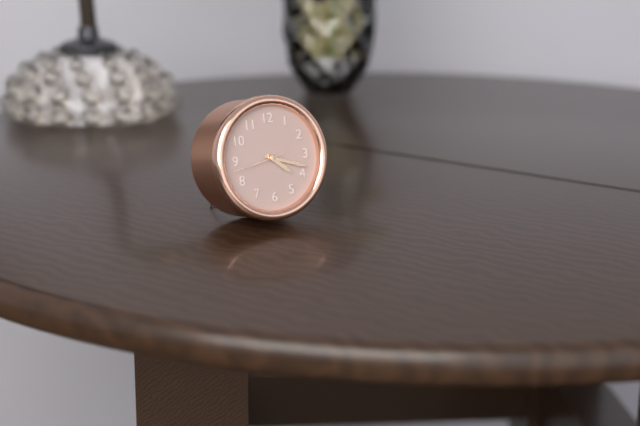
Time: **4:18:43**
